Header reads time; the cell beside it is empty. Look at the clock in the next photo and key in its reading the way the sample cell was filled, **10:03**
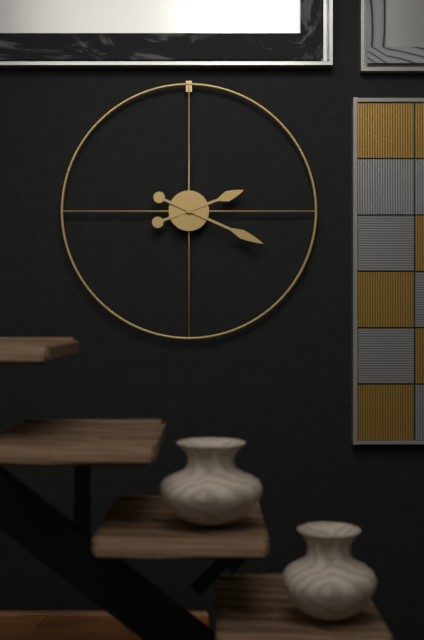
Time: **2:19**
